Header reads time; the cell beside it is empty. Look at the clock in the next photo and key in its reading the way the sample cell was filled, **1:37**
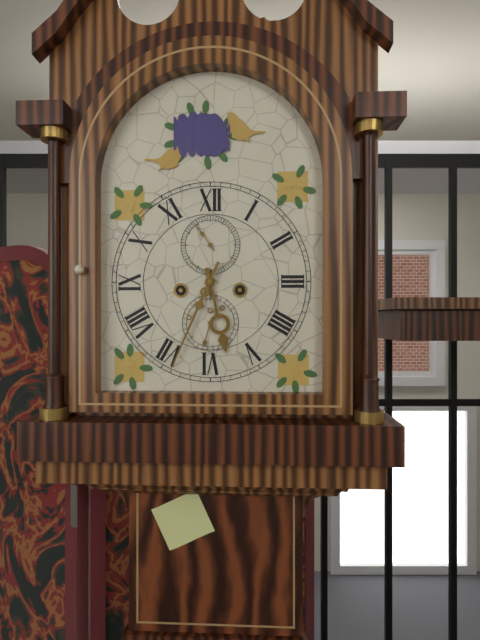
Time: **5:34**
